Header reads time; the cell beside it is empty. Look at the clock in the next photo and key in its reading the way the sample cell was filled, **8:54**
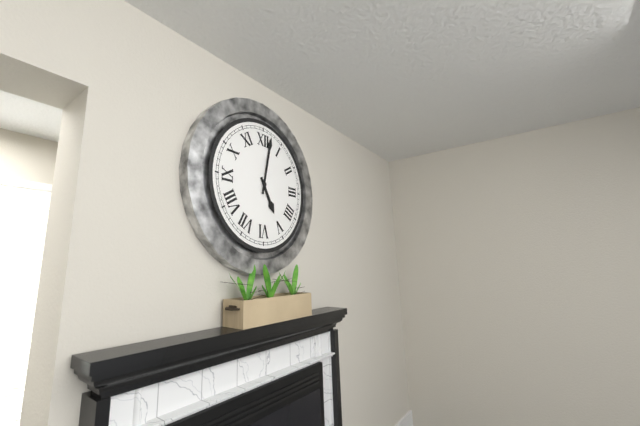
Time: **5:02**
